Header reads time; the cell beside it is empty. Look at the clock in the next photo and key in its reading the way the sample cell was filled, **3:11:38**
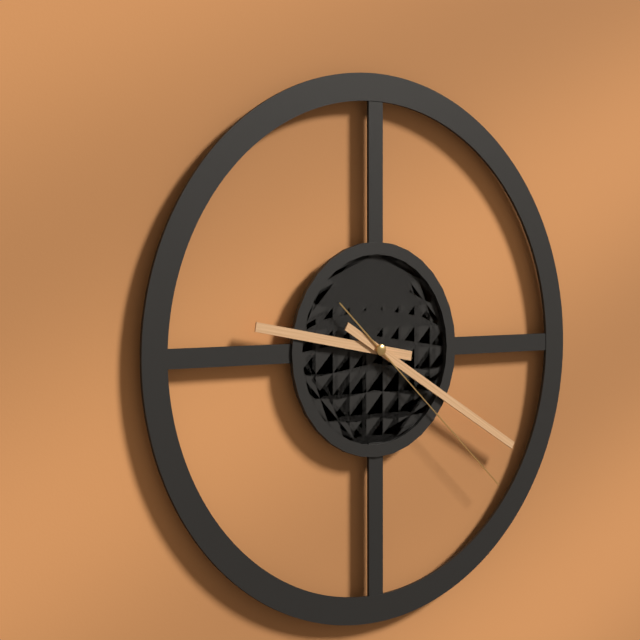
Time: **9:20:22**
